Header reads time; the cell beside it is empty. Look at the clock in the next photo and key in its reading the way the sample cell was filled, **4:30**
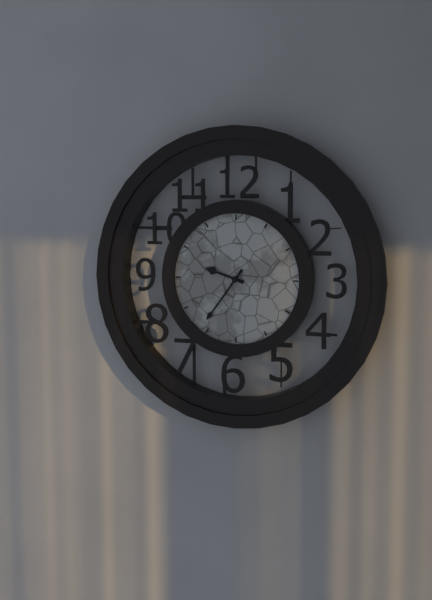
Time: **9:36**
